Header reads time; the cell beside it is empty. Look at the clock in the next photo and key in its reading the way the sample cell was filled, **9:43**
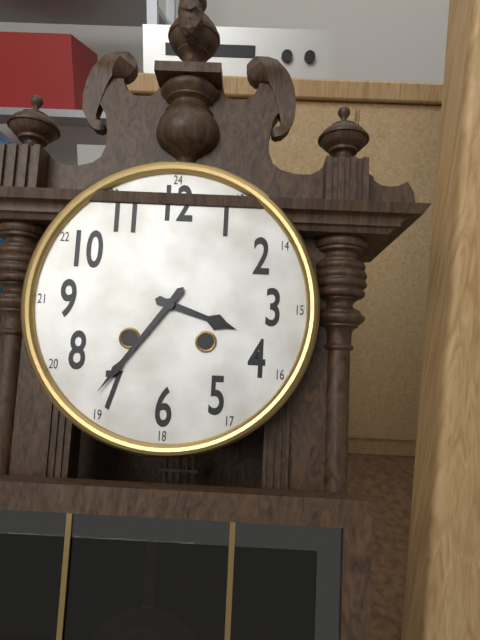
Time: **3:36**
